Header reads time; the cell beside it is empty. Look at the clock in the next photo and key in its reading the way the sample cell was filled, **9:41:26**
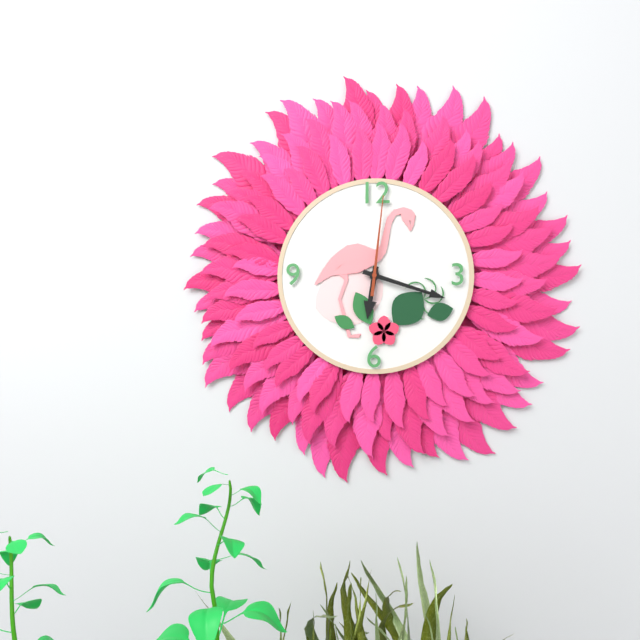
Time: **6:18:01**
